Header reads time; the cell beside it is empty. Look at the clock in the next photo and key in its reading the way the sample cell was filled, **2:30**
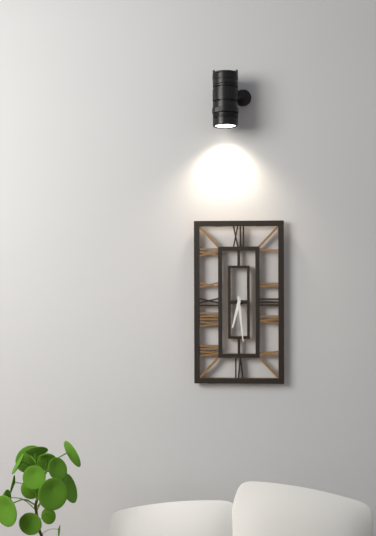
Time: **6:29**
